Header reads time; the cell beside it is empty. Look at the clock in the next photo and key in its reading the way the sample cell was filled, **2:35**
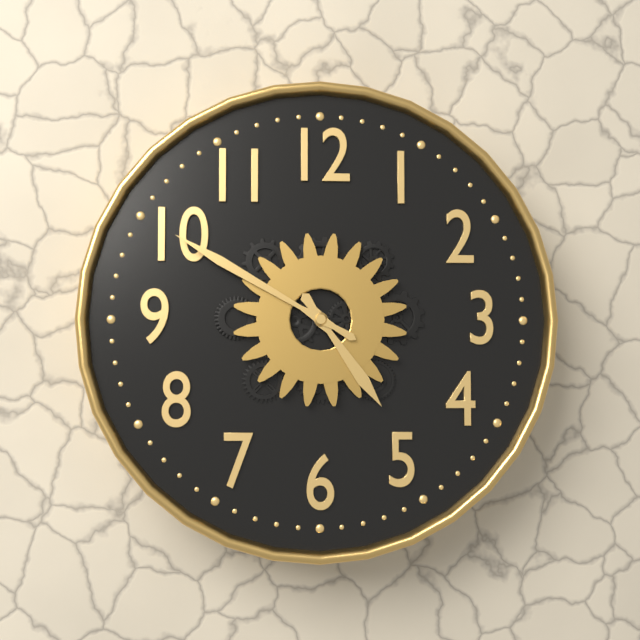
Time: **4:50**
